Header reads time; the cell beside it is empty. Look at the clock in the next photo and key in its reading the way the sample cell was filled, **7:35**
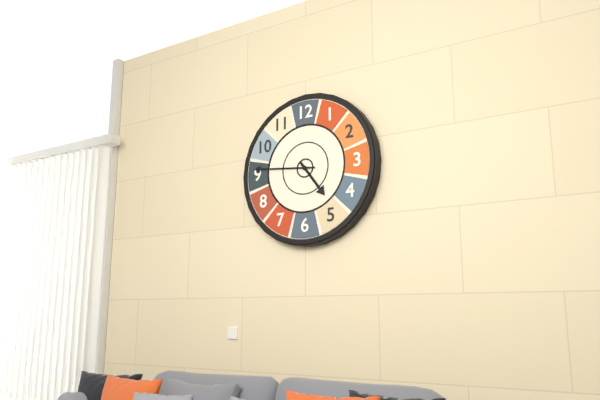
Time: **4:46**
